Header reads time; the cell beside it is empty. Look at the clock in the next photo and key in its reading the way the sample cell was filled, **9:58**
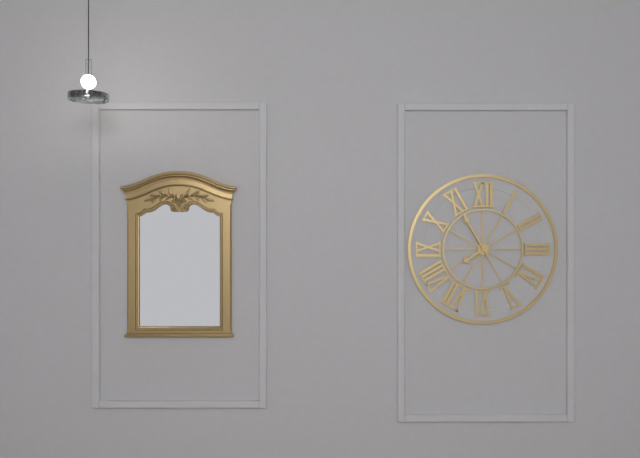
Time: **7:55**
